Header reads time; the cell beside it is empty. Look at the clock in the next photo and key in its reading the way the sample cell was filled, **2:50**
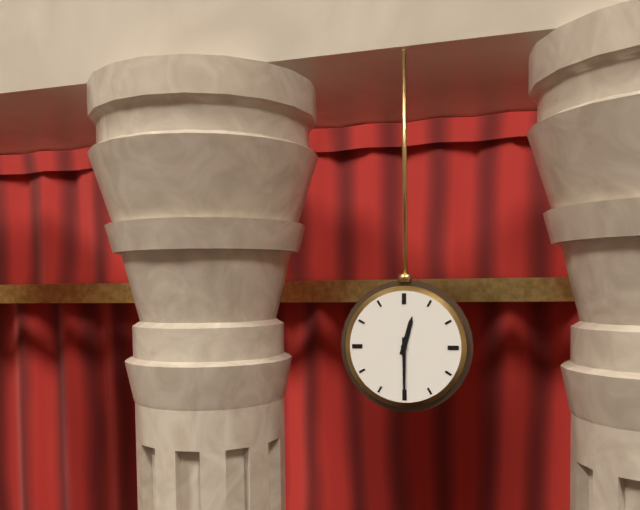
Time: **12:30**
